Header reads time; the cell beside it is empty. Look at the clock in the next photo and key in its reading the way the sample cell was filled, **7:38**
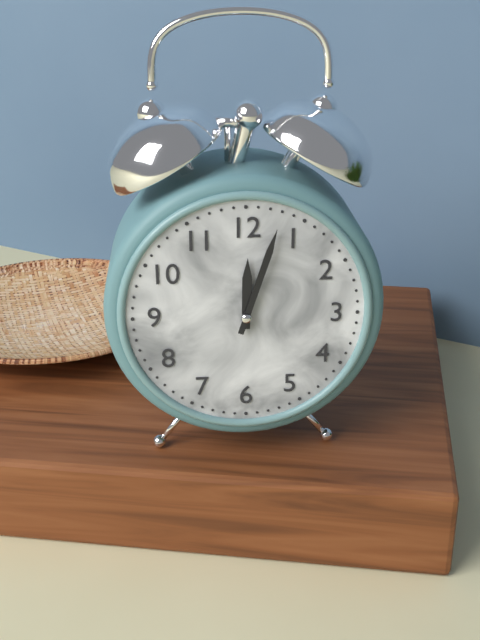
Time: **12:03**
